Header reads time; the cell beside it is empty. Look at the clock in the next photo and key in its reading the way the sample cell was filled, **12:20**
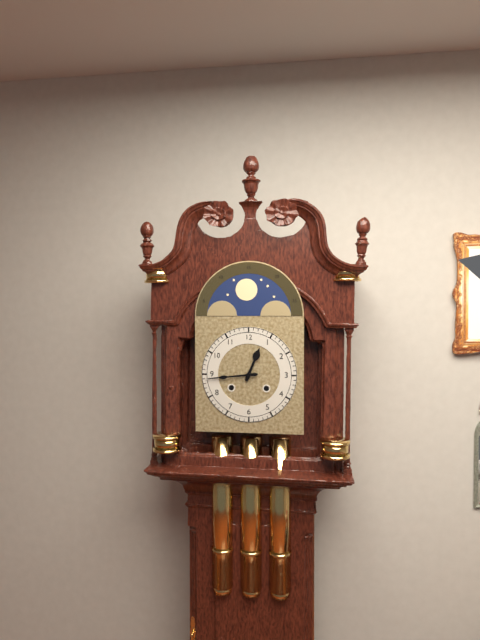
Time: **12:44**
